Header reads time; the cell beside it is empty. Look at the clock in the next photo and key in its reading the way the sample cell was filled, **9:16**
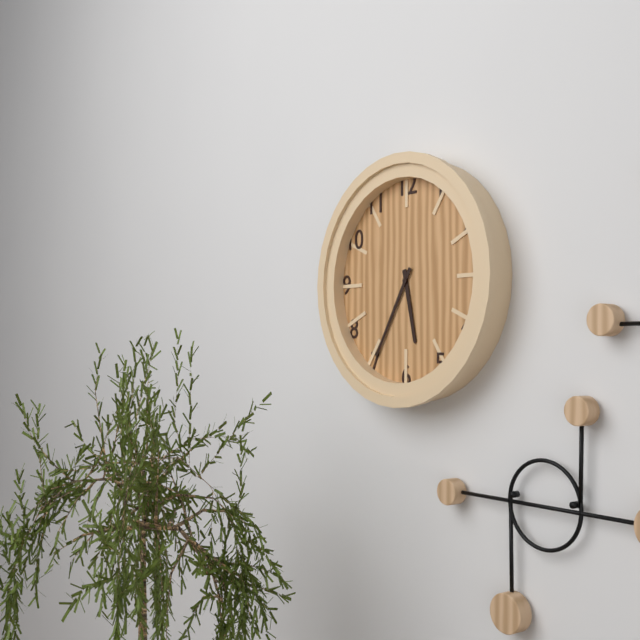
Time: **5:35**
